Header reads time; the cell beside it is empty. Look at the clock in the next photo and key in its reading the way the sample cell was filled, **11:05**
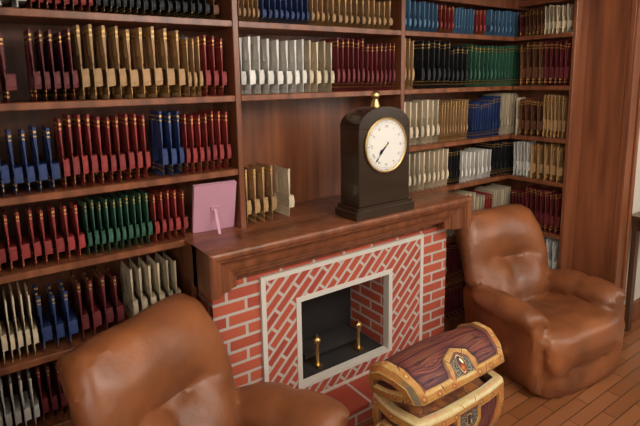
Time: **7:37**
